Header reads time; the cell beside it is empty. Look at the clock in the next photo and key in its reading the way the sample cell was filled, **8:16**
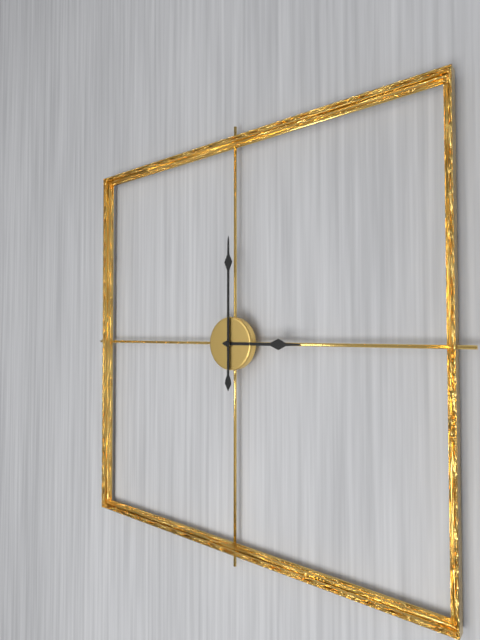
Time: **3:00**
